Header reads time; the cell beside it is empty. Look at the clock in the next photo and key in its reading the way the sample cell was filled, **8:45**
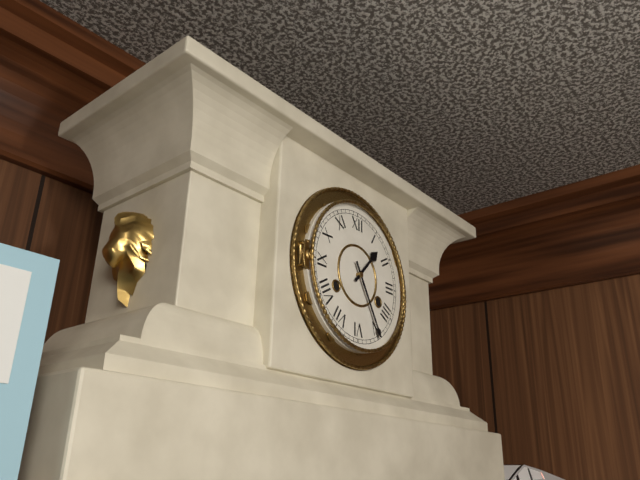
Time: **1:25**
